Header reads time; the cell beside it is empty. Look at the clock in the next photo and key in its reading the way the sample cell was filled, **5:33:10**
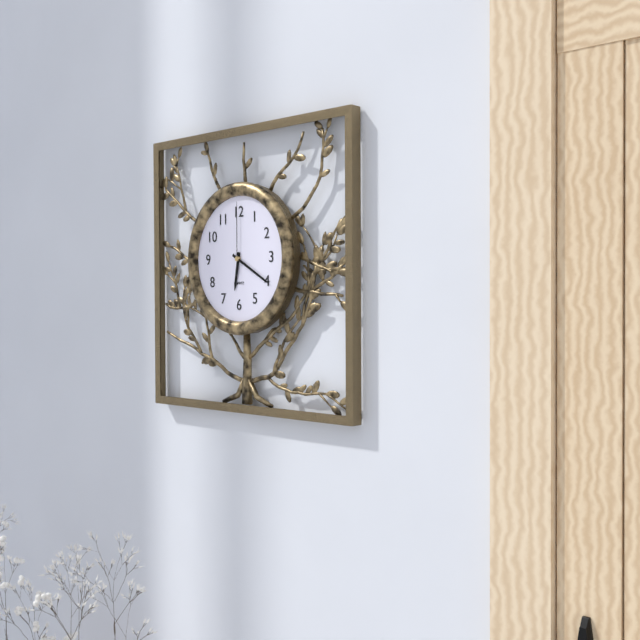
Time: **6:20:00**
